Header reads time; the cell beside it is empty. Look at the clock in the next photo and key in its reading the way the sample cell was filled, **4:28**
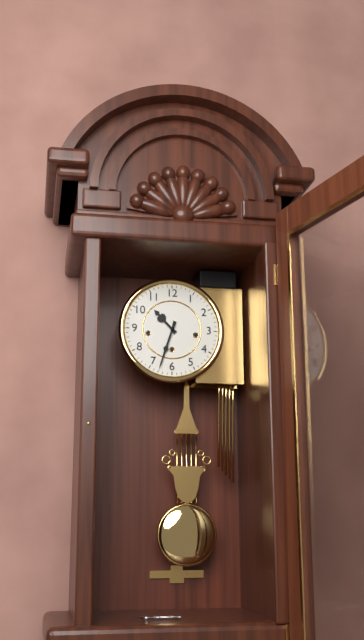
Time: **10:33**
